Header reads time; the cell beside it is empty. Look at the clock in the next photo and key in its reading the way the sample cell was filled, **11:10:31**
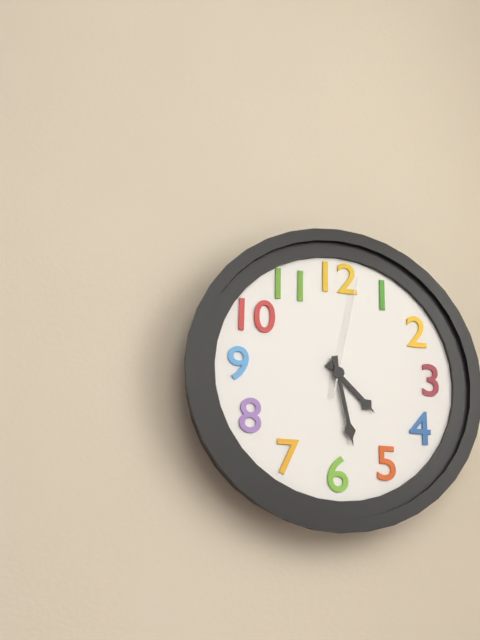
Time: **4:28:02**
